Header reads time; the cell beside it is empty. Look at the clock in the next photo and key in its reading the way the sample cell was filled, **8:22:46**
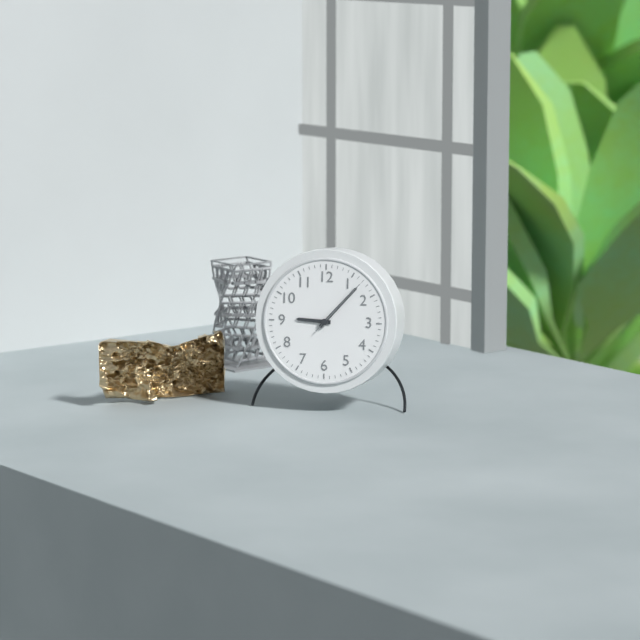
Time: **9:07:07**
